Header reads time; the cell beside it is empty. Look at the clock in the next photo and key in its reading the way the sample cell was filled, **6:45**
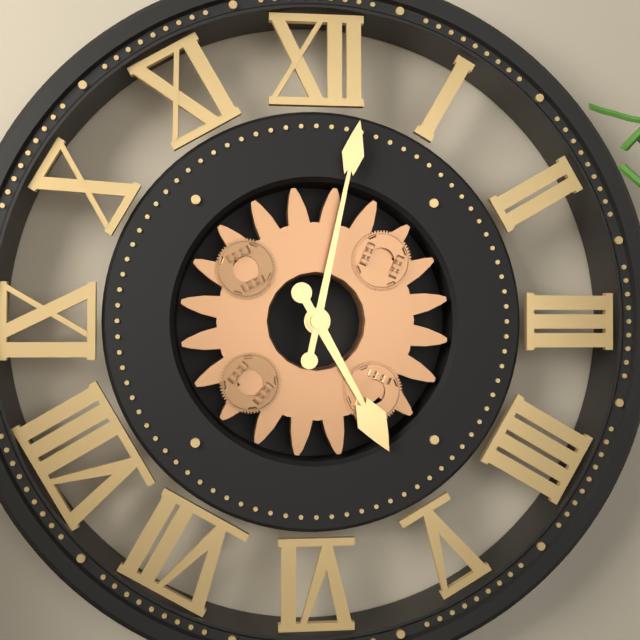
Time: **5:02**
